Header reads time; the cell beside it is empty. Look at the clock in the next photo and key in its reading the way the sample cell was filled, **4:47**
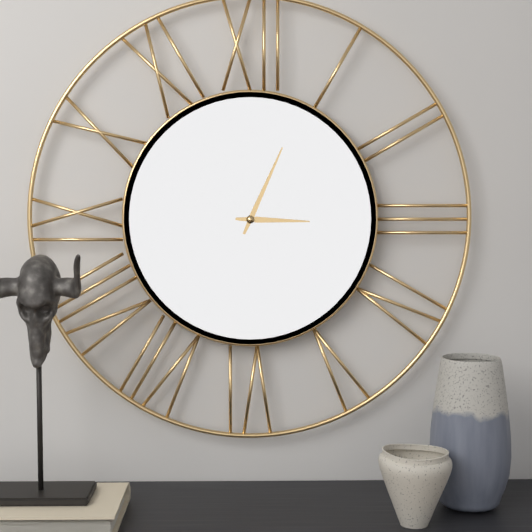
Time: **3:04**
